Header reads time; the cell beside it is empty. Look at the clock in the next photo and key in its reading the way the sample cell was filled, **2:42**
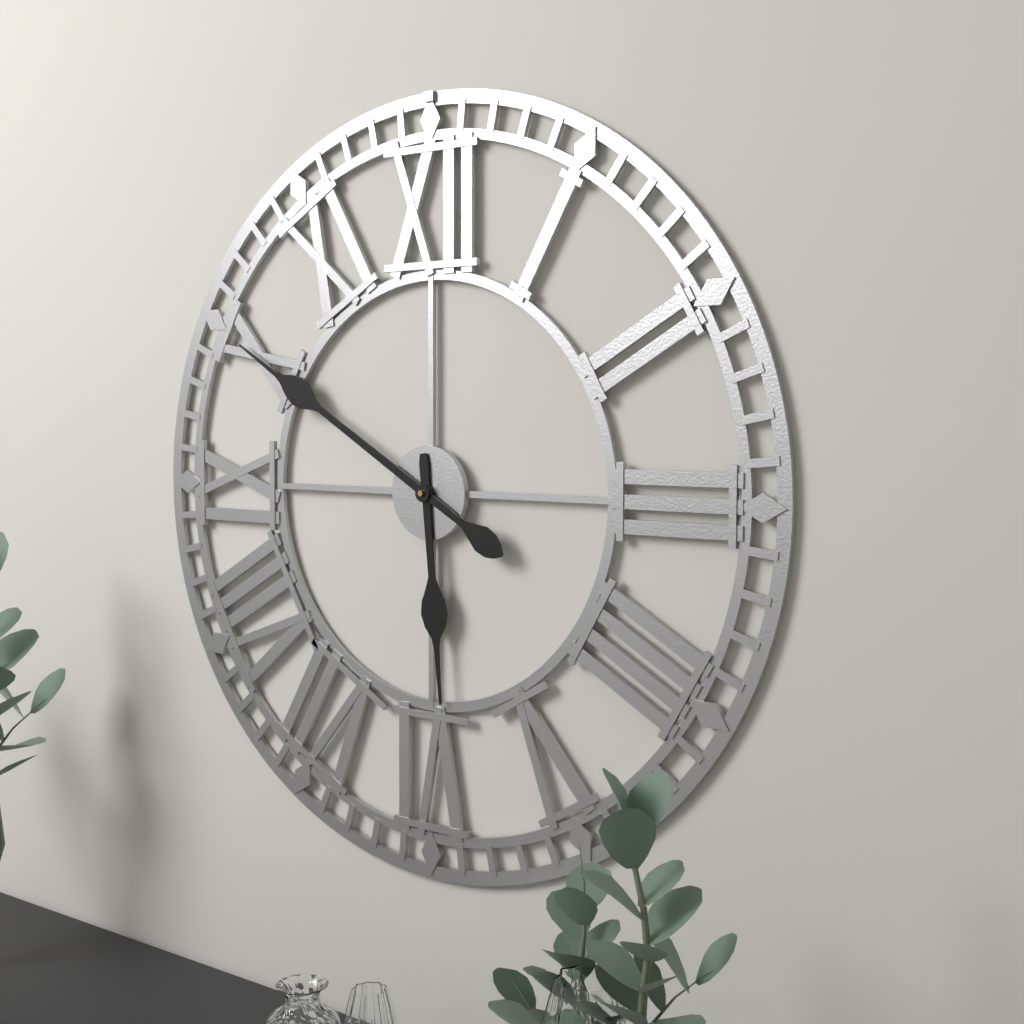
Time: **5:50**
